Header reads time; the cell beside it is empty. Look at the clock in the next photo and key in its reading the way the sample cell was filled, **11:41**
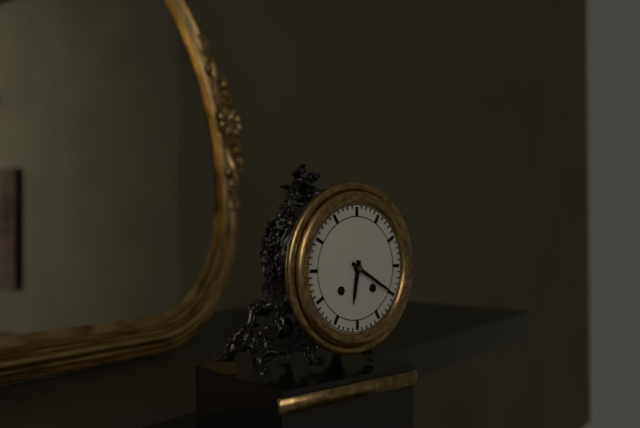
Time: **6:20**
